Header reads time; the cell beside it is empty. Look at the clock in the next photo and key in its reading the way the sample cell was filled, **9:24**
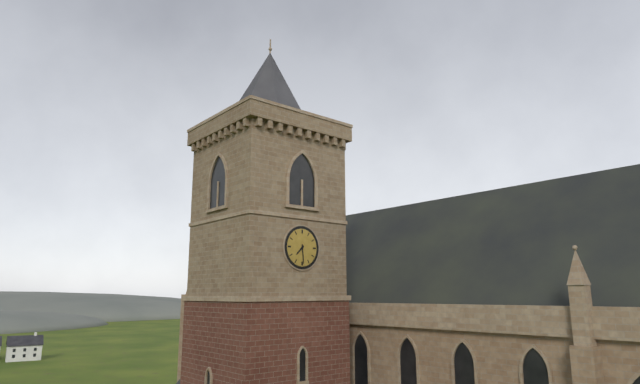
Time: **7:29**
